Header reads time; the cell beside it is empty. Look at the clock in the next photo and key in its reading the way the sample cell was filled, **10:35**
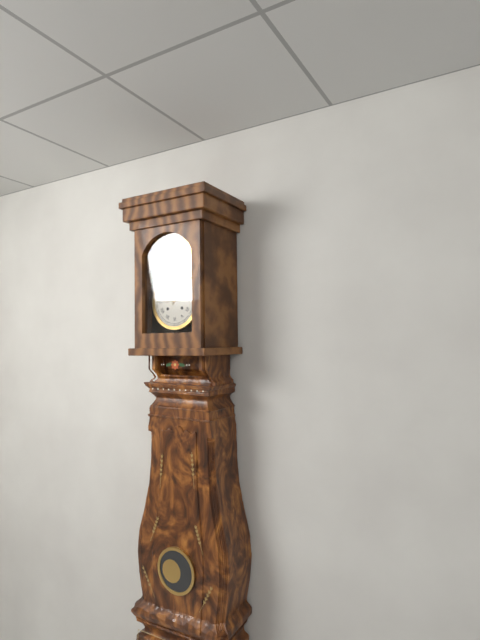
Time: **9:05**
